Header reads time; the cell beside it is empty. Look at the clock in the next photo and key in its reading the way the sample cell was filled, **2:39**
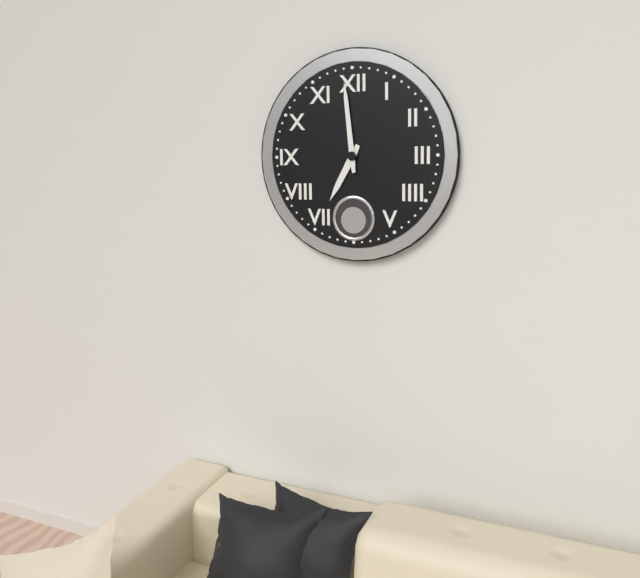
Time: **6:59**
